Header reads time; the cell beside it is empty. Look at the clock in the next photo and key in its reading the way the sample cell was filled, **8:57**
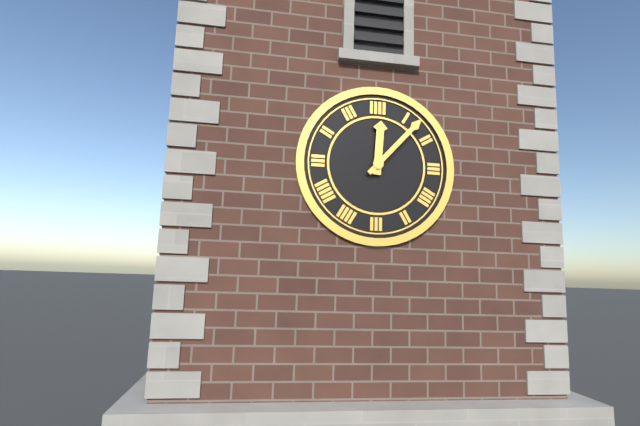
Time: **12:07**
